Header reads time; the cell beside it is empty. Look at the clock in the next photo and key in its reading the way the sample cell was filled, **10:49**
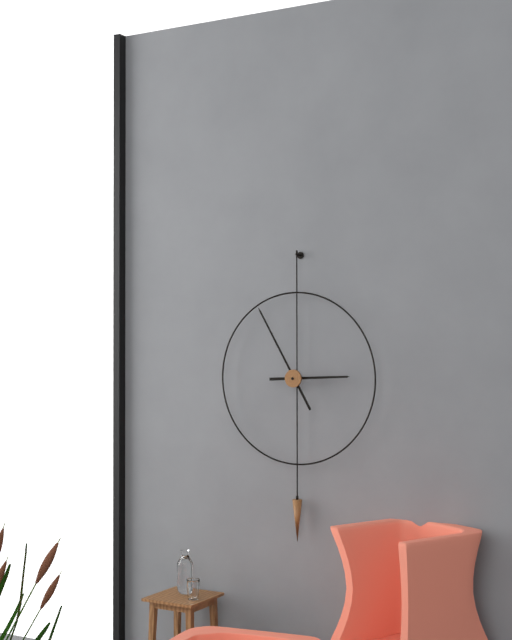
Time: **2:55**
